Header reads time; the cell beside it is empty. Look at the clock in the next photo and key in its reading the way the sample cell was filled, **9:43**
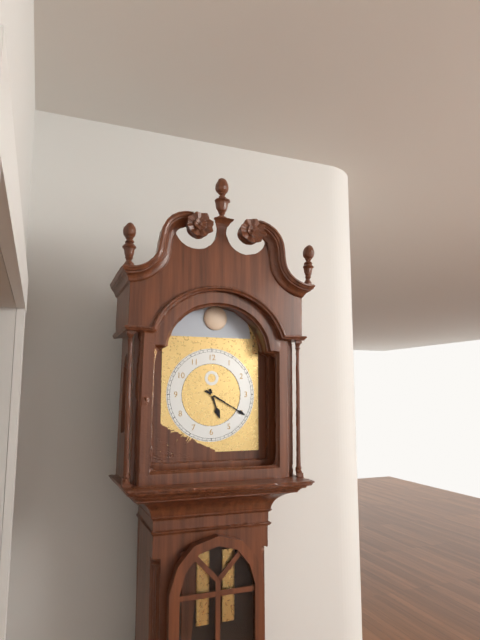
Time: **5:20**
